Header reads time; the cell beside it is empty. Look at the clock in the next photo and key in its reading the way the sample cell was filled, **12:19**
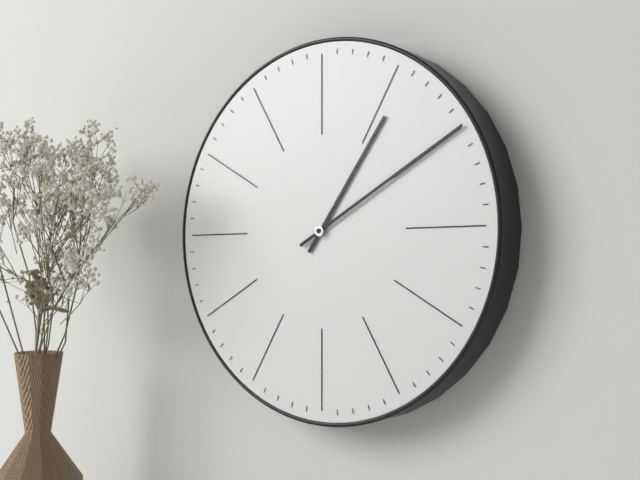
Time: **1:10**
